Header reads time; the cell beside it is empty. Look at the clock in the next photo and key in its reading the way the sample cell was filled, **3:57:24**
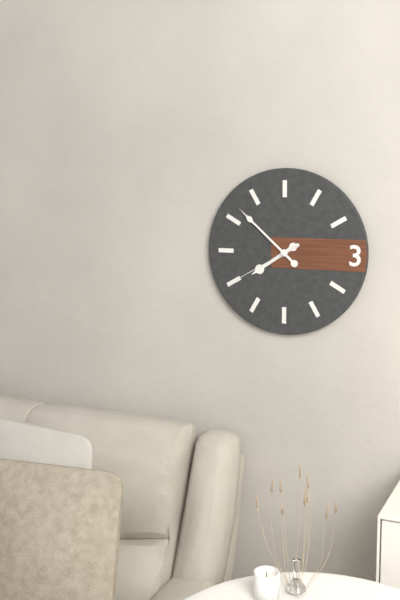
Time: **7:52:40**
